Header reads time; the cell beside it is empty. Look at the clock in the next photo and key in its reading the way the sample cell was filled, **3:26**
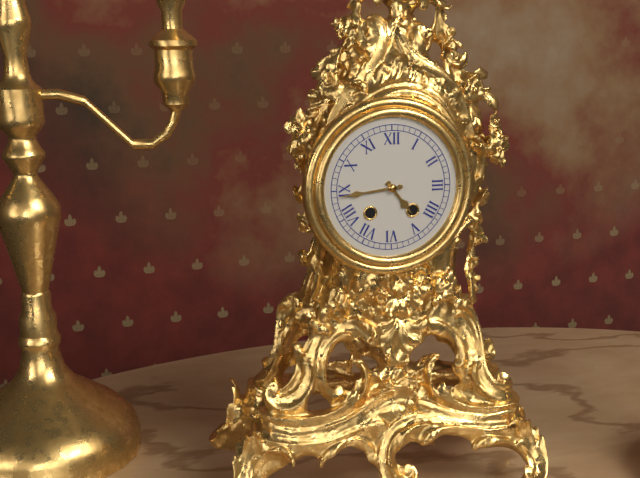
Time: **4:44**
